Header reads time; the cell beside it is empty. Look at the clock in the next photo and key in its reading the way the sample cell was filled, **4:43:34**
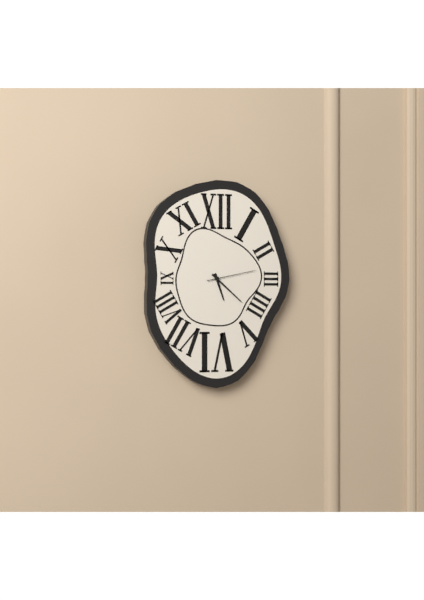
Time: **5:22:13**
